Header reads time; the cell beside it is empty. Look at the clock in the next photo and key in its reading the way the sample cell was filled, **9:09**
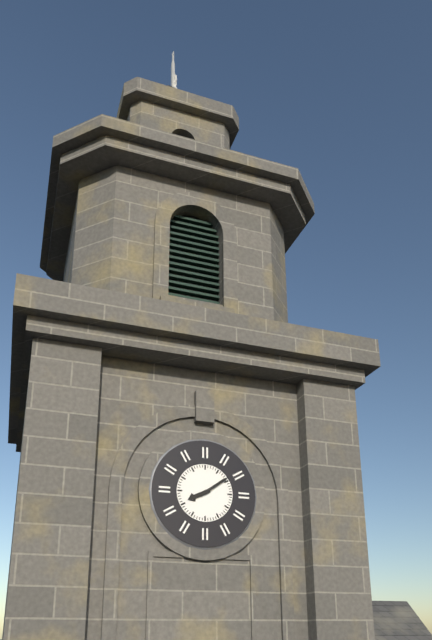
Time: **8:09**
